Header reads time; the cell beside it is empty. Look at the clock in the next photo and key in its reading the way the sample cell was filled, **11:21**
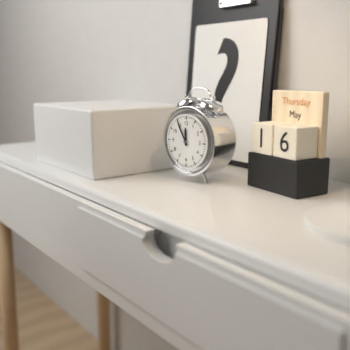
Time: **11:55**
